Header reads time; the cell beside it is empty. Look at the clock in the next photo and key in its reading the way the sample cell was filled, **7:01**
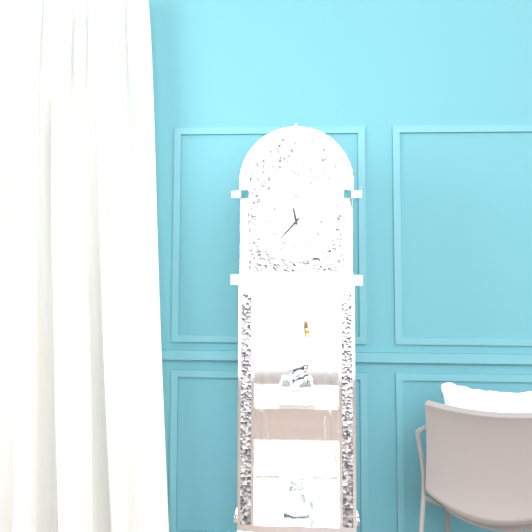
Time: **11:37**
